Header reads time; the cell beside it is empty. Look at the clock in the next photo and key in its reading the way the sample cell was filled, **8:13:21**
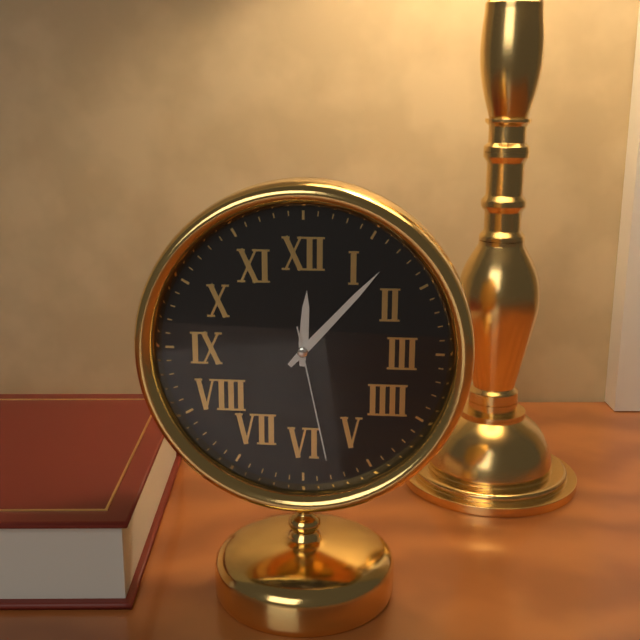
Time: **12:07:28**
